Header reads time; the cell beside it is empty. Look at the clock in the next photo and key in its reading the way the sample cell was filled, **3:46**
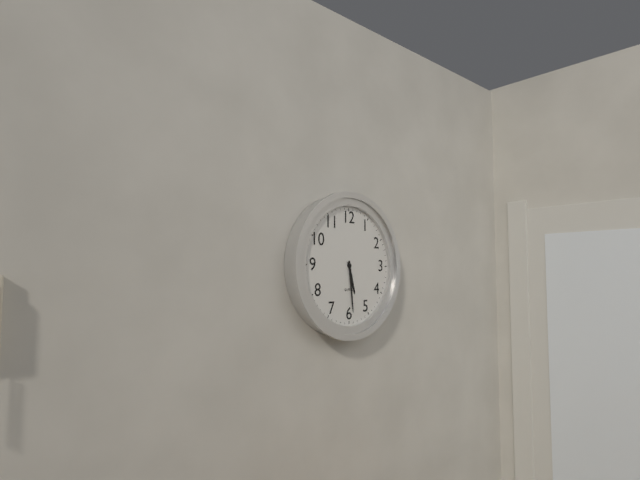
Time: **5:29**
